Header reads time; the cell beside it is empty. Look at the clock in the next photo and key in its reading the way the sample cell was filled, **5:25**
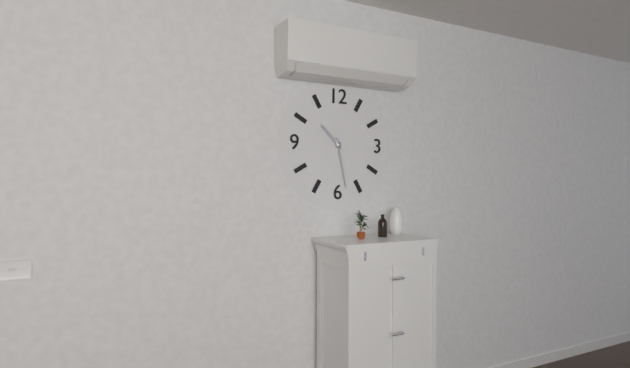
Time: **10:28**
